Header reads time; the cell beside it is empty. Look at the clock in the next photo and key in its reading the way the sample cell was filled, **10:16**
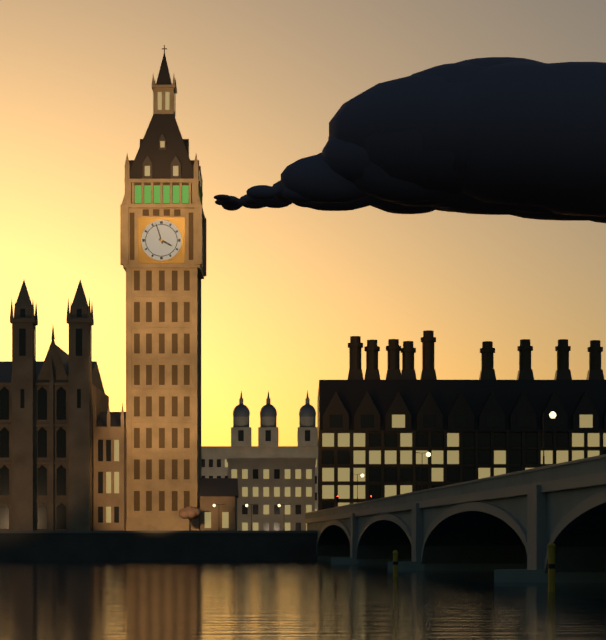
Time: **3:57**
